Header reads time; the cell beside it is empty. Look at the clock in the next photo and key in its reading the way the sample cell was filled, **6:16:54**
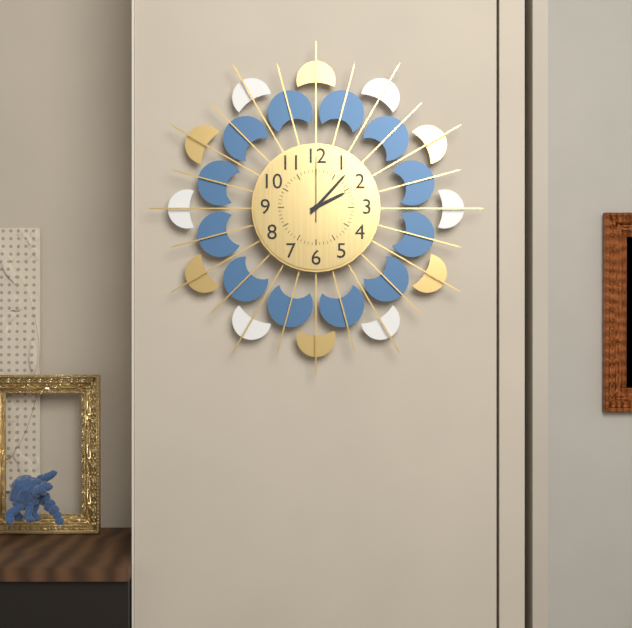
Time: **2:07:00**
